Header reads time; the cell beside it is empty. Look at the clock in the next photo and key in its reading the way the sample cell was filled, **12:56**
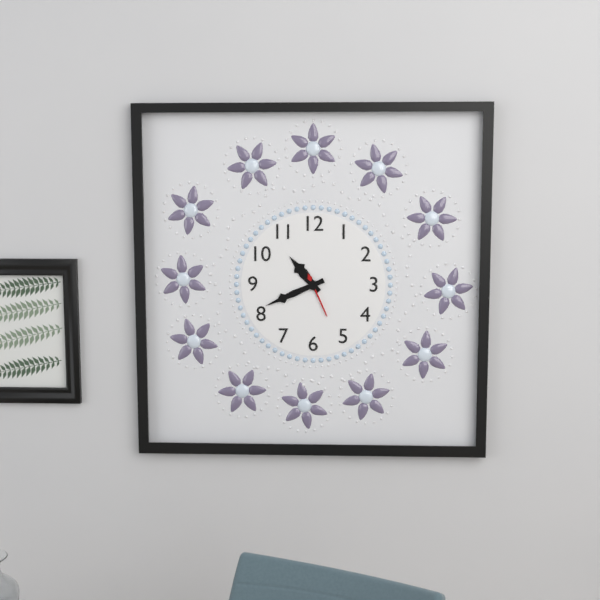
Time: **10:41**
